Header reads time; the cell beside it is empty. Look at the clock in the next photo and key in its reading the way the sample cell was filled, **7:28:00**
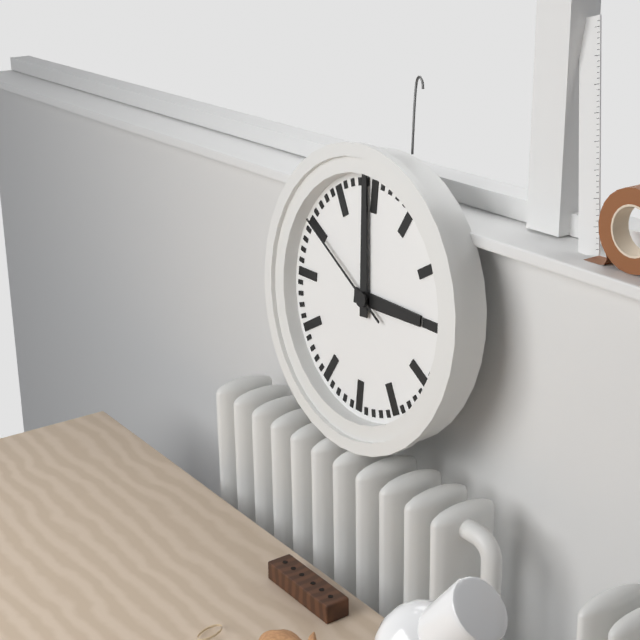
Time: **2:59:50**
